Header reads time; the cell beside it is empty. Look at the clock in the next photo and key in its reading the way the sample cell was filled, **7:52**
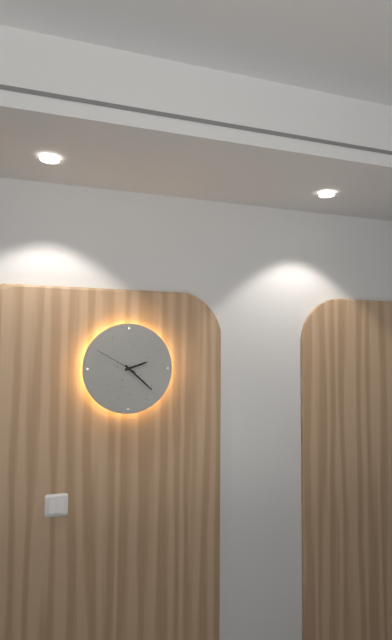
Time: **2:22**
